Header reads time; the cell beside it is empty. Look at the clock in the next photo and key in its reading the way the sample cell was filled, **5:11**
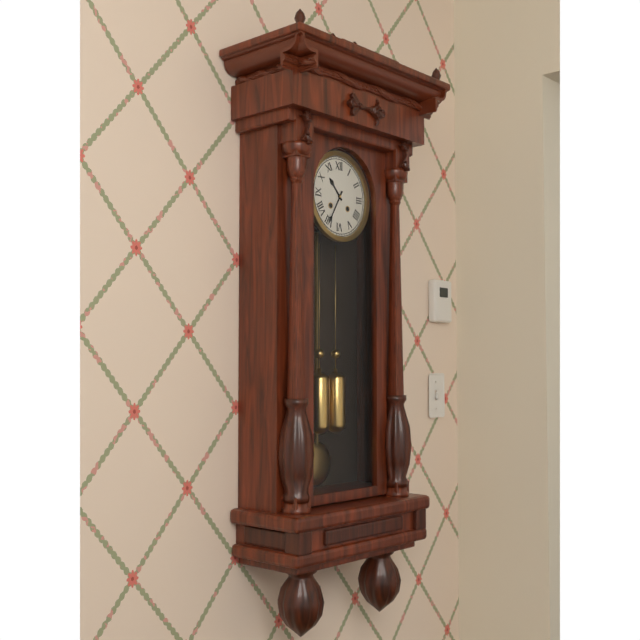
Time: **10:35**
